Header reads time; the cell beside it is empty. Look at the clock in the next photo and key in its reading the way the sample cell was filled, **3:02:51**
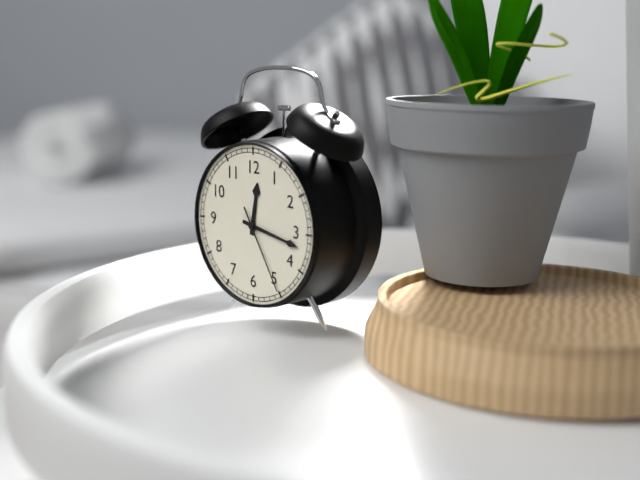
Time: **12:17:25**
